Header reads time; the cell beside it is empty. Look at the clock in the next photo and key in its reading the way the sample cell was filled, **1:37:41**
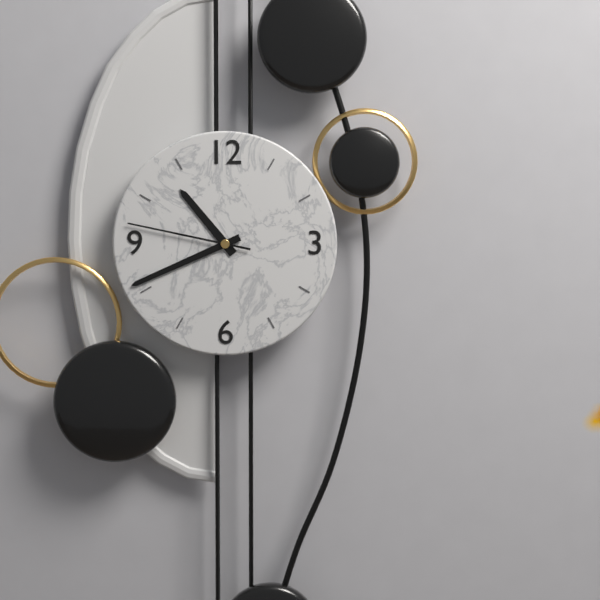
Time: **10:41:47**
